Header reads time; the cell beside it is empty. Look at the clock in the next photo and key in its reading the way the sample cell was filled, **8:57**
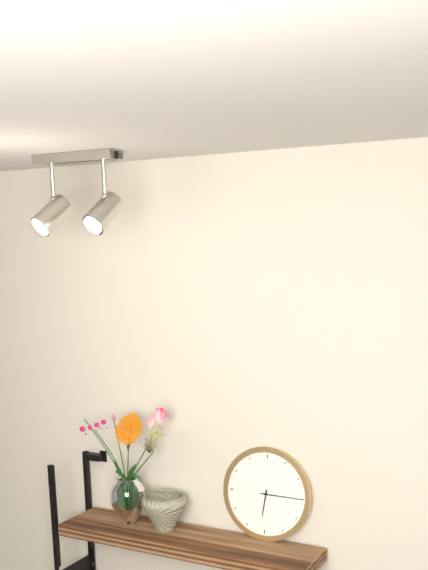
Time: **6:15**
